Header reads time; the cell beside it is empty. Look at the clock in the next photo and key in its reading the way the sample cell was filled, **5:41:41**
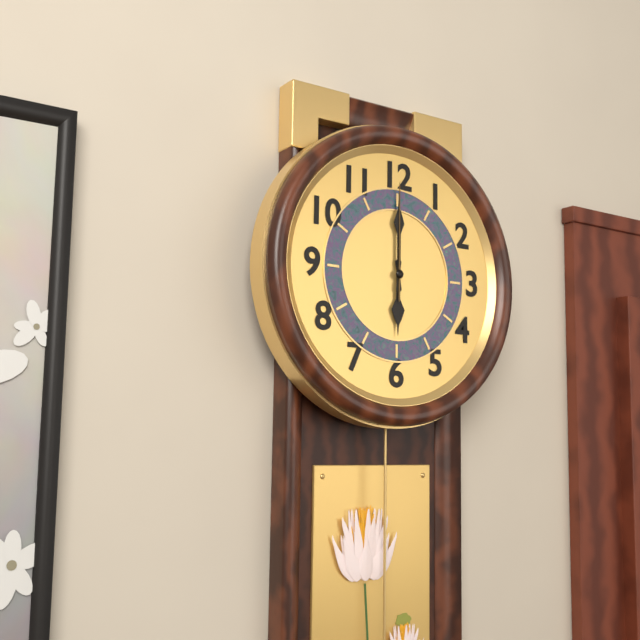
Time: **6:00:00**
